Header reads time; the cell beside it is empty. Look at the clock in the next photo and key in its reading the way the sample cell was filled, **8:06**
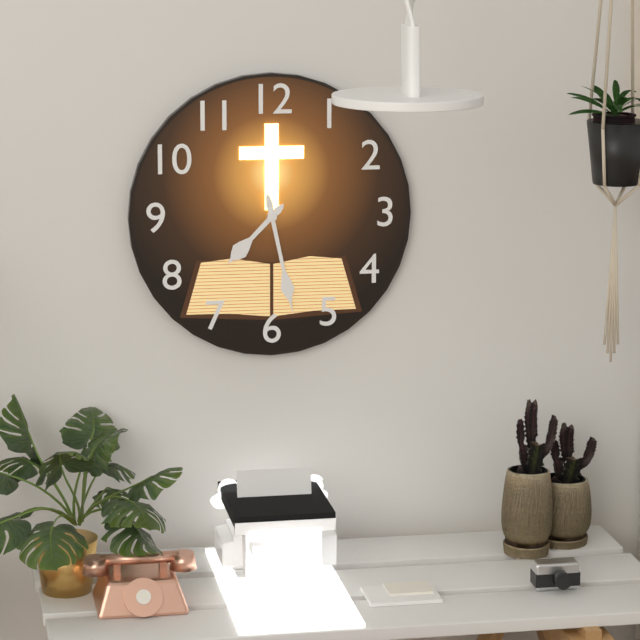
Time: **7:28**
